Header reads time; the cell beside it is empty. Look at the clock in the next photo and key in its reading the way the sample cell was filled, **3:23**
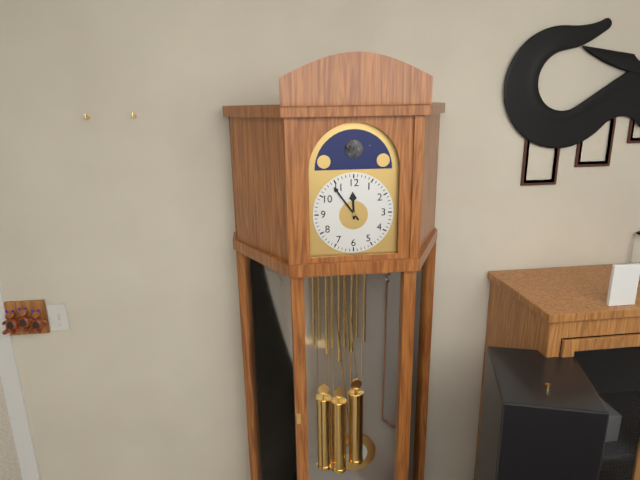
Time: **11:54**
